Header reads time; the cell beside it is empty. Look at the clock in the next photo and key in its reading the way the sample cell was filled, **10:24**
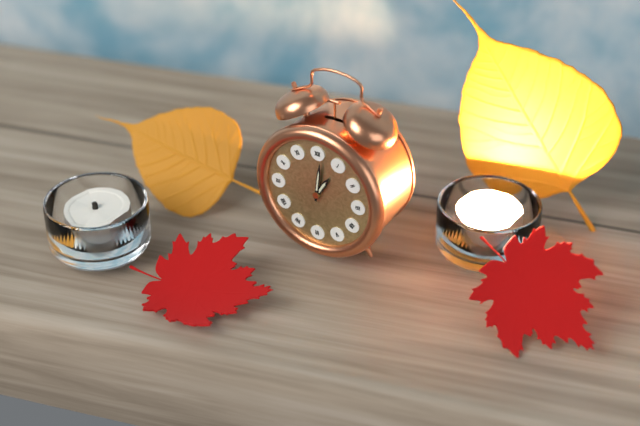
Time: **1:01**
